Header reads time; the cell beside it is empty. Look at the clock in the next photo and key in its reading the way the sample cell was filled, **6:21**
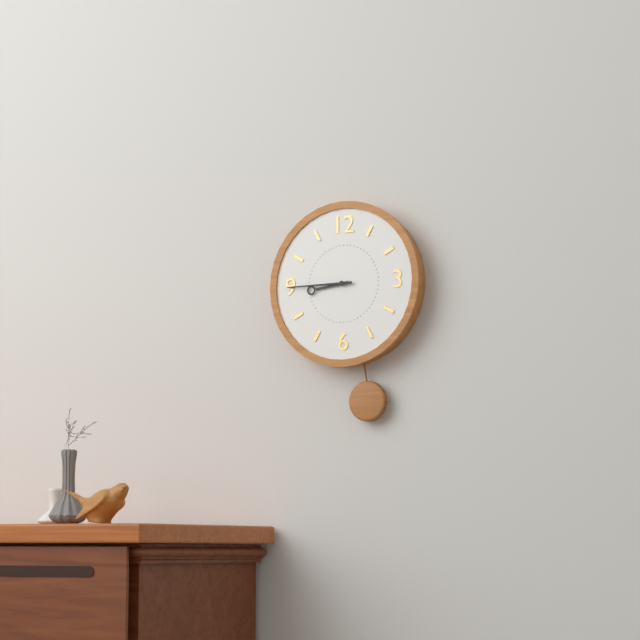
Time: **8:45**
